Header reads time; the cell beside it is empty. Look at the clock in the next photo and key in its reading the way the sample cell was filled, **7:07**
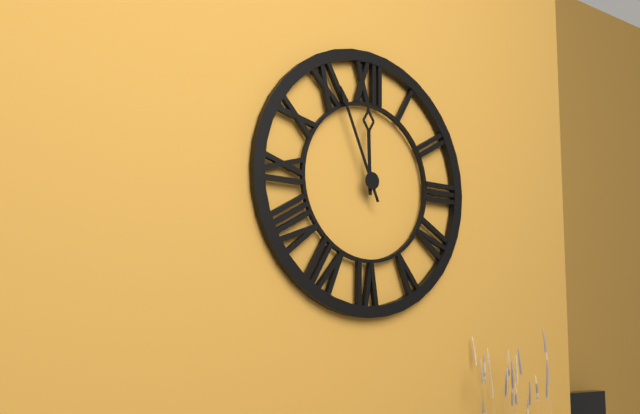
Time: **11:56**
